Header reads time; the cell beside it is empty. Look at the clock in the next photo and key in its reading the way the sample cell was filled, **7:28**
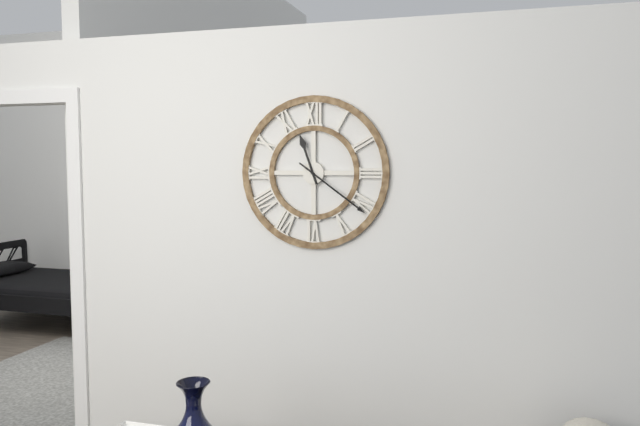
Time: **11:21**
